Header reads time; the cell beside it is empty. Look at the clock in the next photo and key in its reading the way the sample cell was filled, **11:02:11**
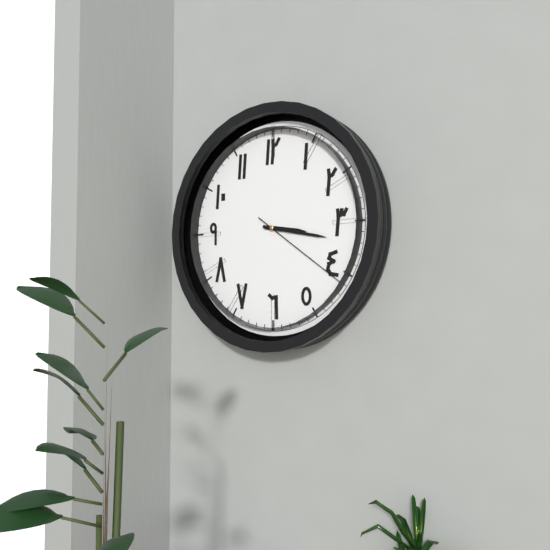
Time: **3:17:21**
